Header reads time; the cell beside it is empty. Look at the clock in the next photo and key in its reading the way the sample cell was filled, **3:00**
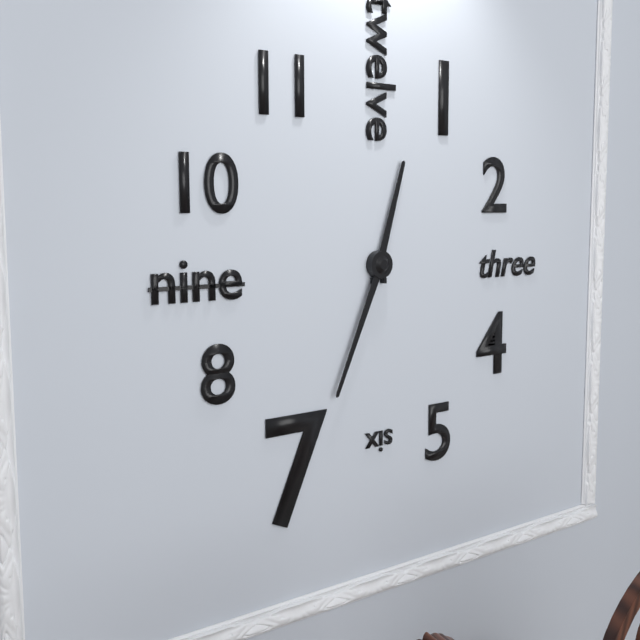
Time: **12:34**
